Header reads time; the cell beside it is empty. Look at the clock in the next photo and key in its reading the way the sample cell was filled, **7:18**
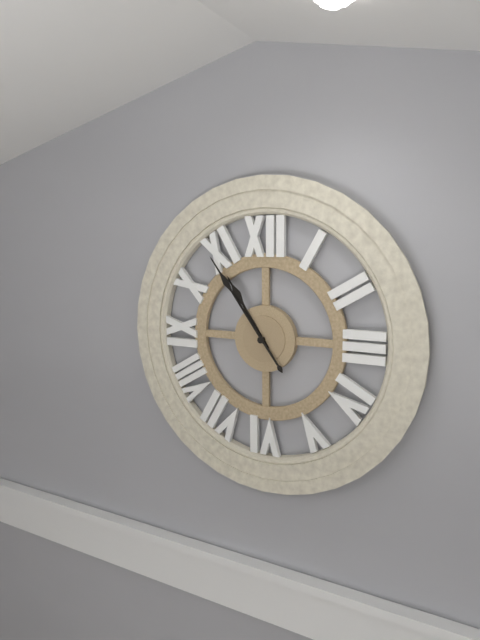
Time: **10:54**
